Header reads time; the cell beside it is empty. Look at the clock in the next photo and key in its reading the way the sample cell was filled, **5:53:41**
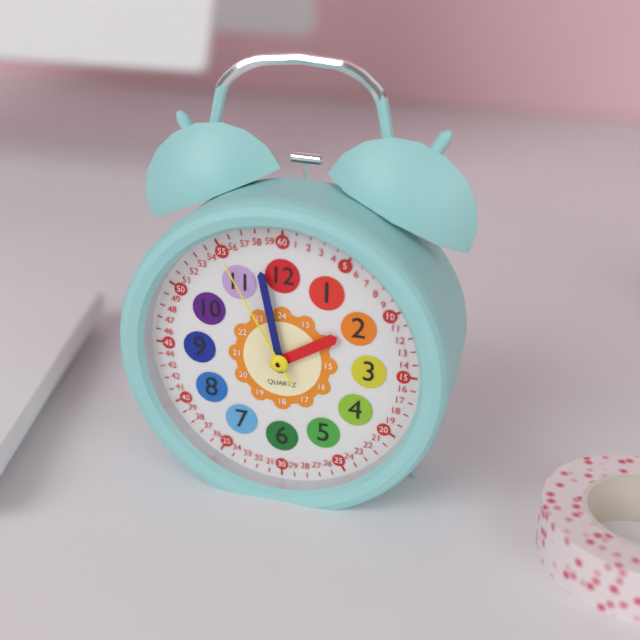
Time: **1:58:55**
